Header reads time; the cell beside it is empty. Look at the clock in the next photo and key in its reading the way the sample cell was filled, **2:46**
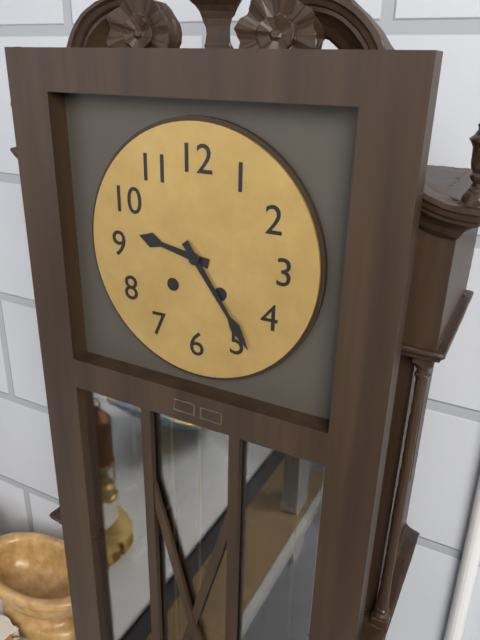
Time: **9:24**
